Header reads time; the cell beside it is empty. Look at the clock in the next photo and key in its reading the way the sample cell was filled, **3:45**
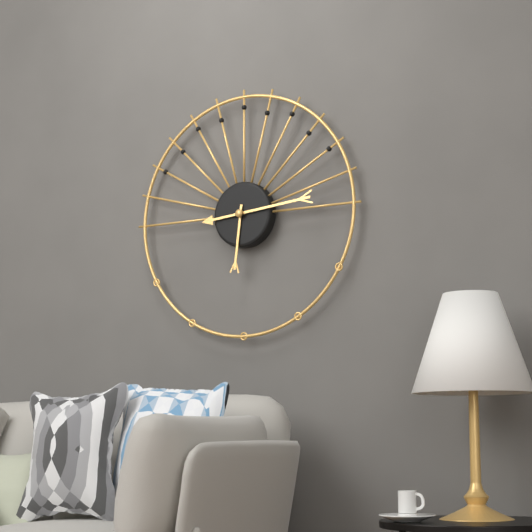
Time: **6:14**
